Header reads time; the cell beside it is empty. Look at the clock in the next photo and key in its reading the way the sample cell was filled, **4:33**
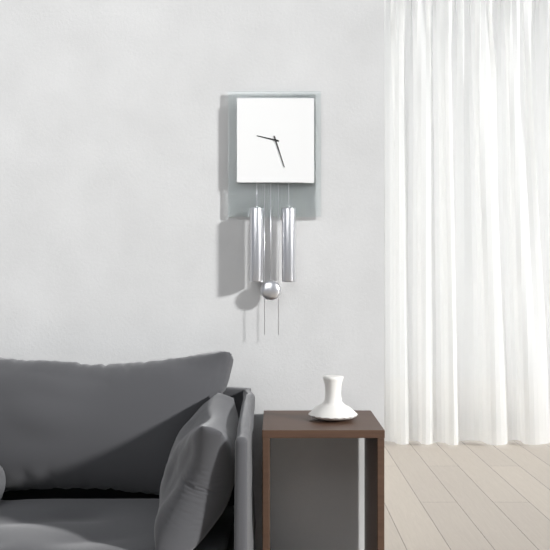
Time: **9:27**
